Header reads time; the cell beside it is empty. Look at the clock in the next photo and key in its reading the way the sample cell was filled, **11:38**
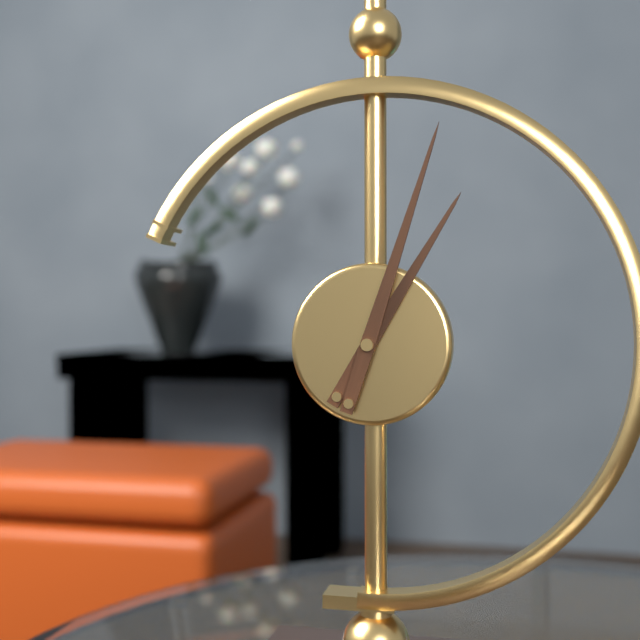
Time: **1:03**
